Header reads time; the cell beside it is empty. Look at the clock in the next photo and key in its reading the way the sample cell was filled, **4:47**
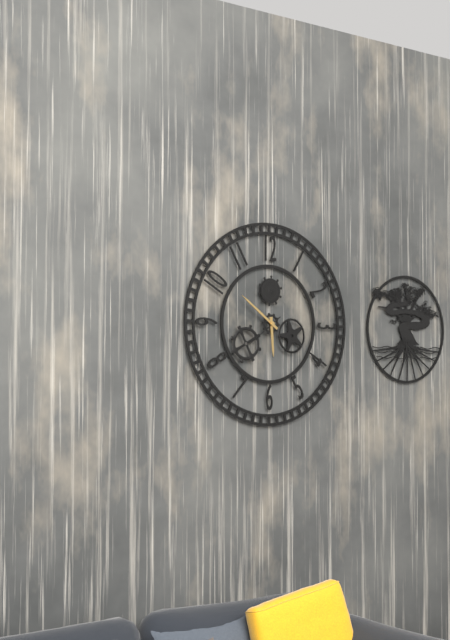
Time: **5:51**
